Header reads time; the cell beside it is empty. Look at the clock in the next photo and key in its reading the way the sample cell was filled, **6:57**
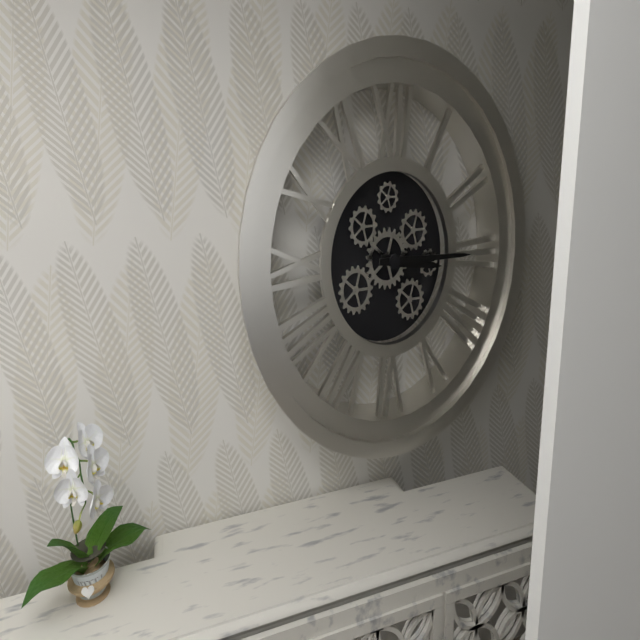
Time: **3:15**
